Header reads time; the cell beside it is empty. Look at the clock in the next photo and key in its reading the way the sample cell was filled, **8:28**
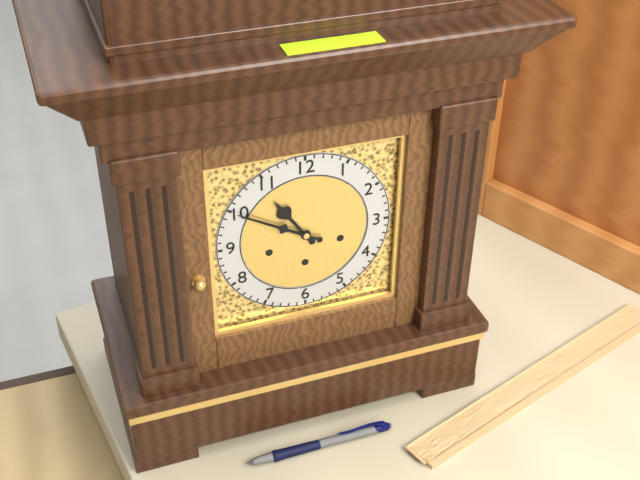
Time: **10:50**
